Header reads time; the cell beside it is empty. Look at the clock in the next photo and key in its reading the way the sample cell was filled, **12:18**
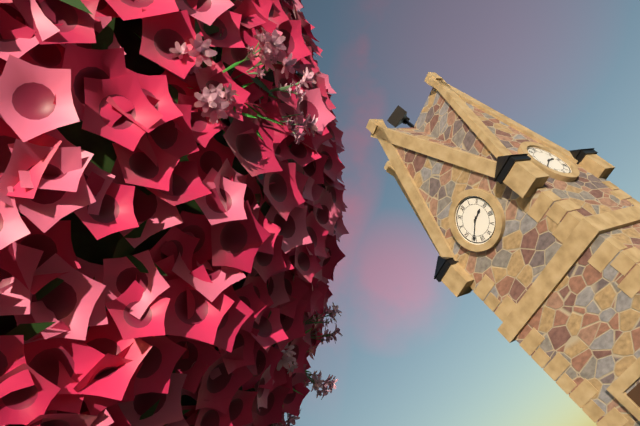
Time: **2:40**
